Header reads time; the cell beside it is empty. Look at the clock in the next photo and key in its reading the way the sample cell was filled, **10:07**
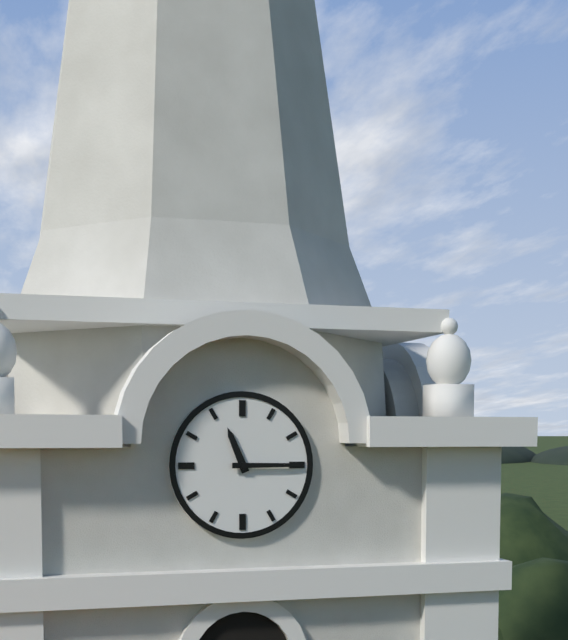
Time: **11:15**
